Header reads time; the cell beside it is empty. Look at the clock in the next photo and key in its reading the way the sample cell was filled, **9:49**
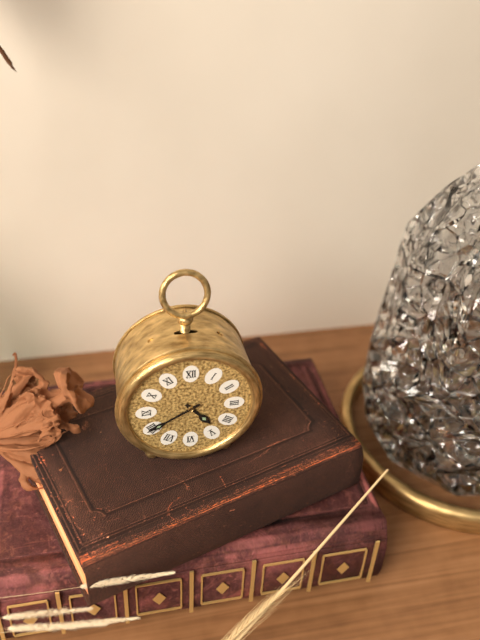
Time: **4:40**
